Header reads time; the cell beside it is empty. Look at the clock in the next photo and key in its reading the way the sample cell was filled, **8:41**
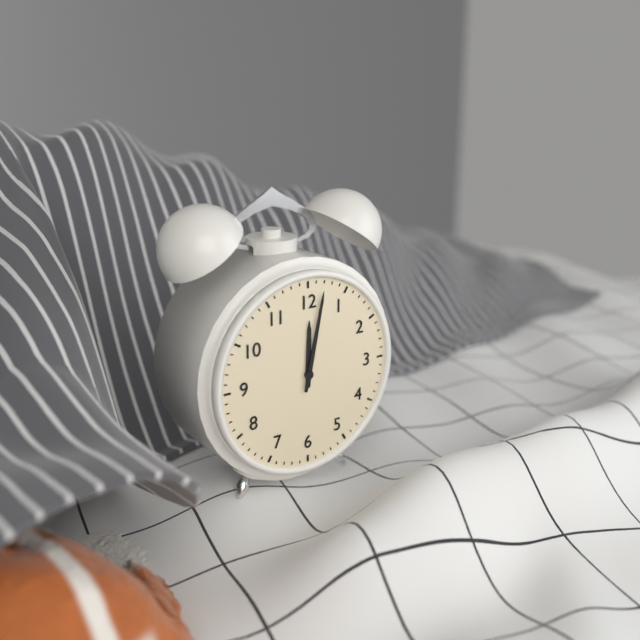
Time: **12:02**
